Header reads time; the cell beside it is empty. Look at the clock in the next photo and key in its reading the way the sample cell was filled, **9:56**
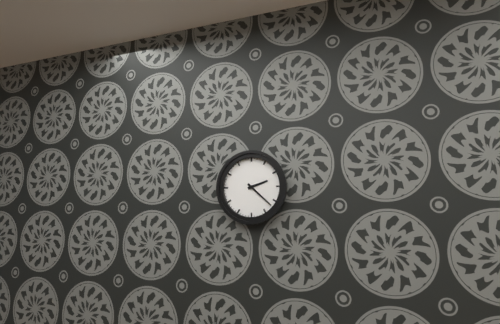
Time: **2:22**
